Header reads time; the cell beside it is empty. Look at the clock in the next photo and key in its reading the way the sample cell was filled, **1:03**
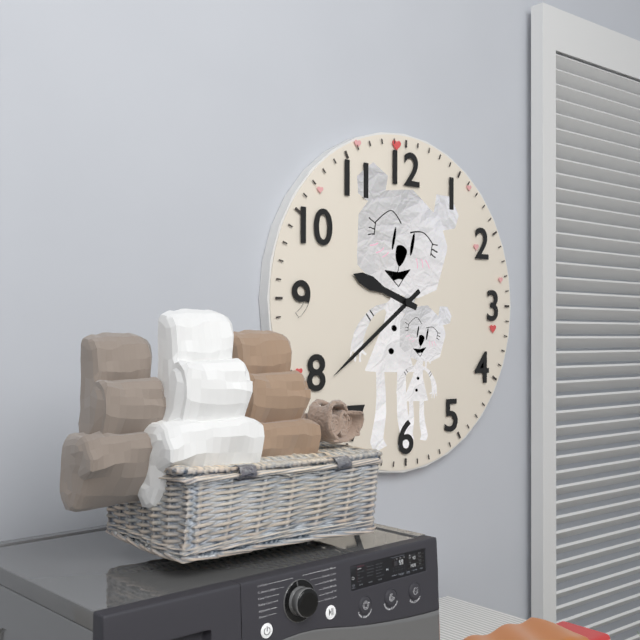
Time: **9:39**
